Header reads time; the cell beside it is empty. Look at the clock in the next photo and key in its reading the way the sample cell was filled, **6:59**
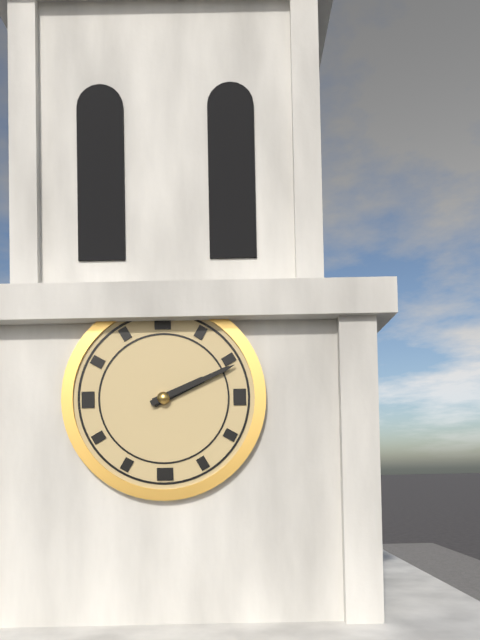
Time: **2:11**
